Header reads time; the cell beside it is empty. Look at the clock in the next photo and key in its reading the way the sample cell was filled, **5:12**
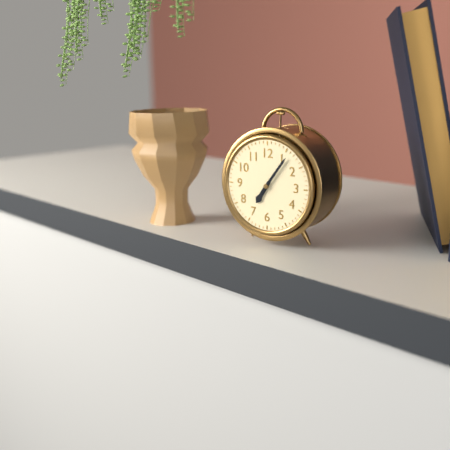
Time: **7:06**
